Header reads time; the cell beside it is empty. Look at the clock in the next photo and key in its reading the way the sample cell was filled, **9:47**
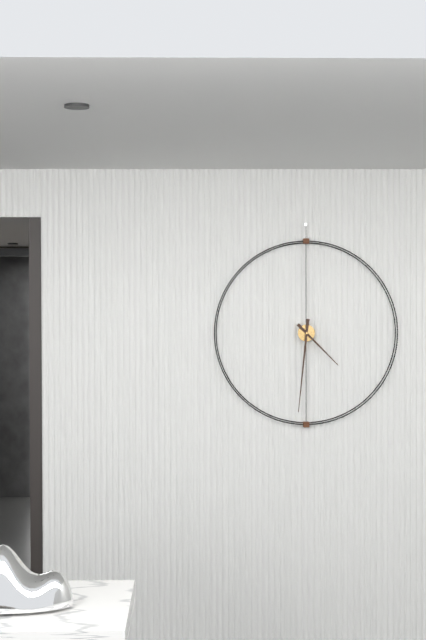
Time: **4:31**
